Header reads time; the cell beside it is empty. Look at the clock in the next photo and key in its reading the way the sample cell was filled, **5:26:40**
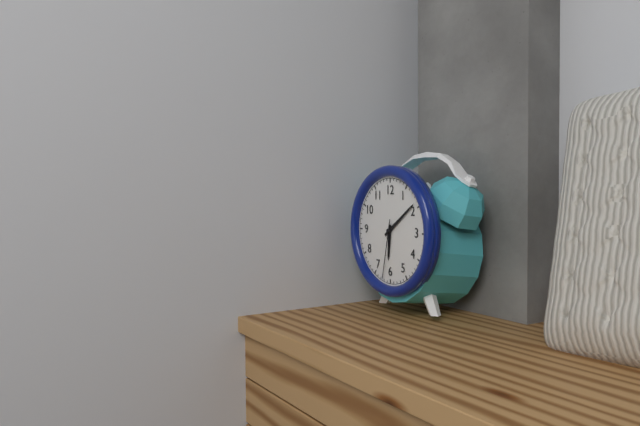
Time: **6:09:32**
